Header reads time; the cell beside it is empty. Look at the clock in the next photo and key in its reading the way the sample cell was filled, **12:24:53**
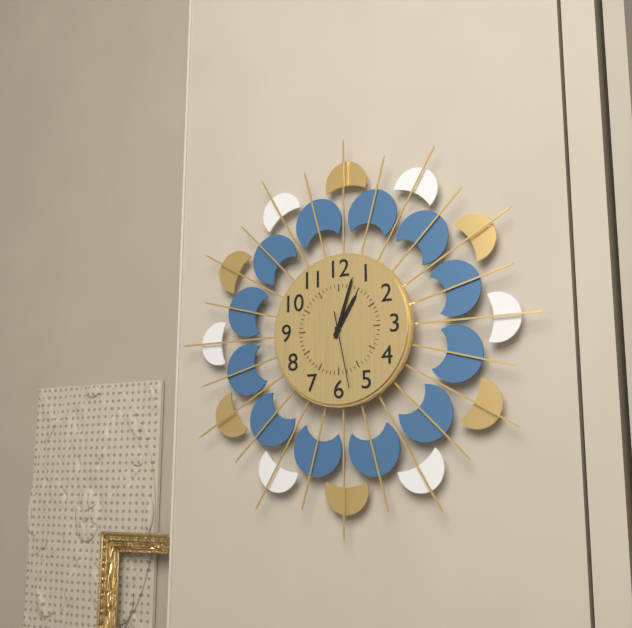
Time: **1:03:28**
